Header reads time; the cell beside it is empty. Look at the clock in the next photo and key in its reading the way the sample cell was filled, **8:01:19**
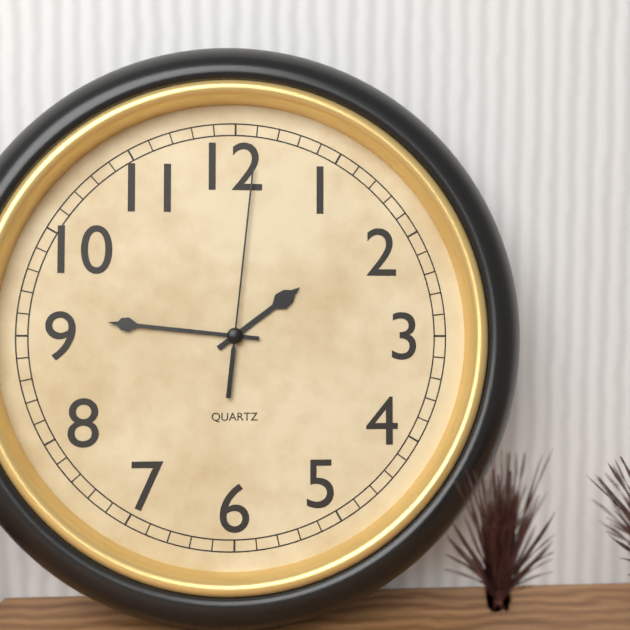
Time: **1:46:01**
